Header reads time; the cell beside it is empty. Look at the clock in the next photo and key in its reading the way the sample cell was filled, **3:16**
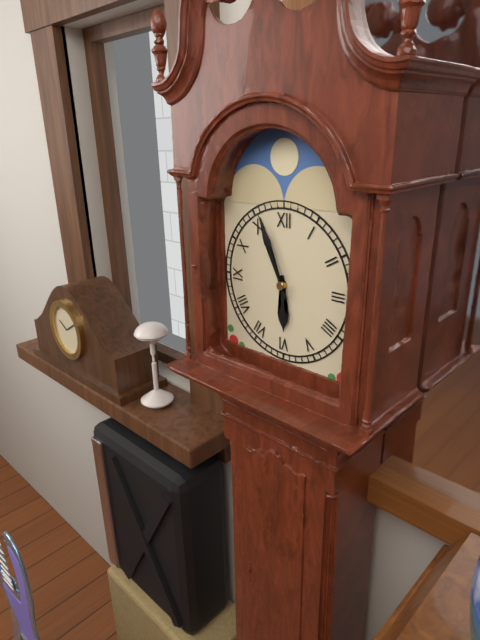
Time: **5:56**
